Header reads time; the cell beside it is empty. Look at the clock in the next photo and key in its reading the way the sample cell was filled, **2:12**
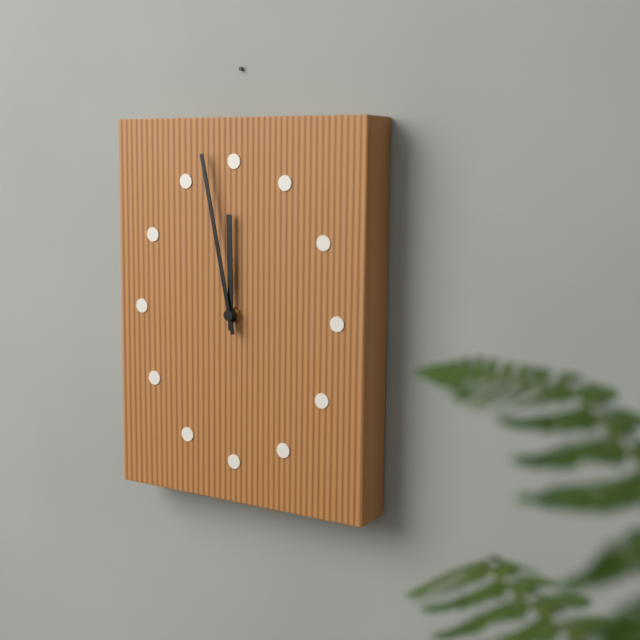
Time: **11:58**
